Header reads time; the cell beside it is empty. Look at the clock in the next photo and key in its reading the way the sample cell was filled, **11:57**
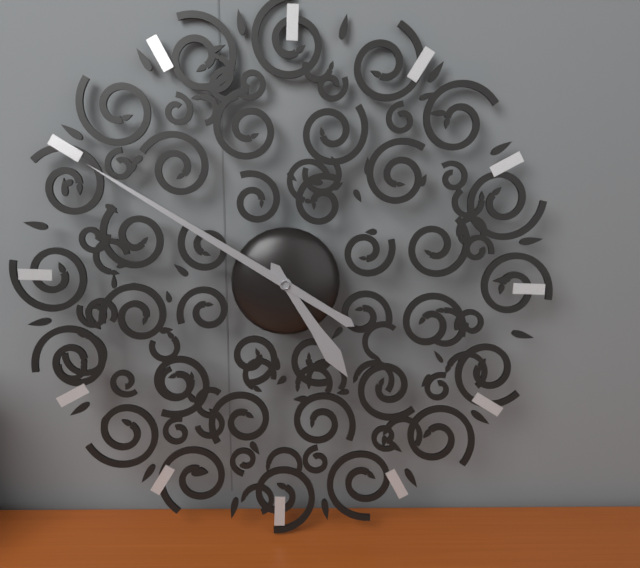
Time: **4:50**
